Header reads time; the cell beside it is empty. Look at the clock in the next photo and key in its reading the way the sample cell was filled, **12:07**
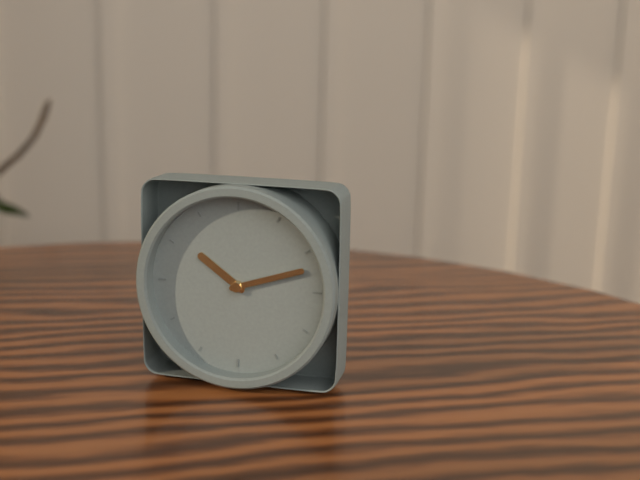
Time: **10:12**
